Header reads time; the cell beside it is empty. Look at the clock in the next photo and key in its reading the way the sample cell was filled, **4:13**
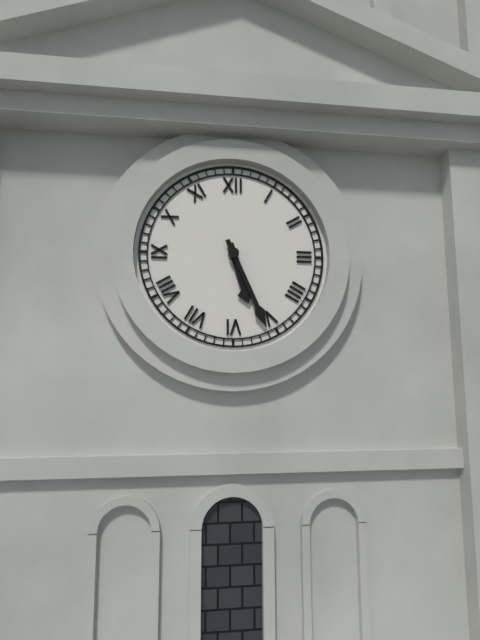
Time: **5:26**
